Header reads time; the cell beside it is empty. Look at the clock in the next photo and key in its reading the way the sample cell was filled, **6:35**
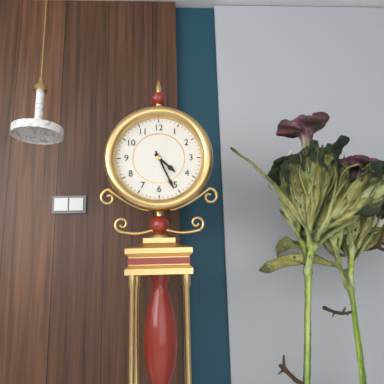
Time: **4:26**
